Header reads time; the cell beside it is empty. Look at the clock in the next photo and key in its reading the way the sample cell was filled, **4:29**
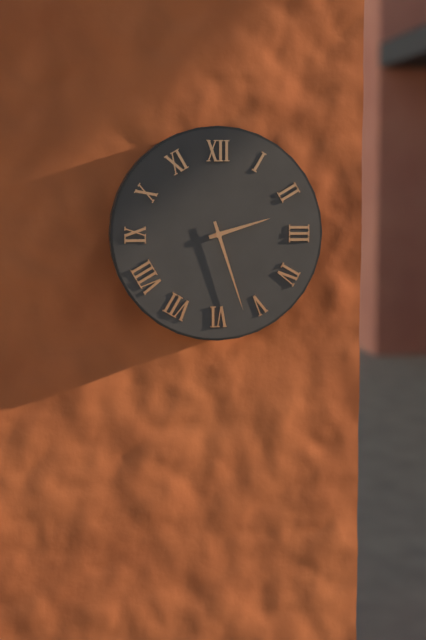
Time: **2:27**
